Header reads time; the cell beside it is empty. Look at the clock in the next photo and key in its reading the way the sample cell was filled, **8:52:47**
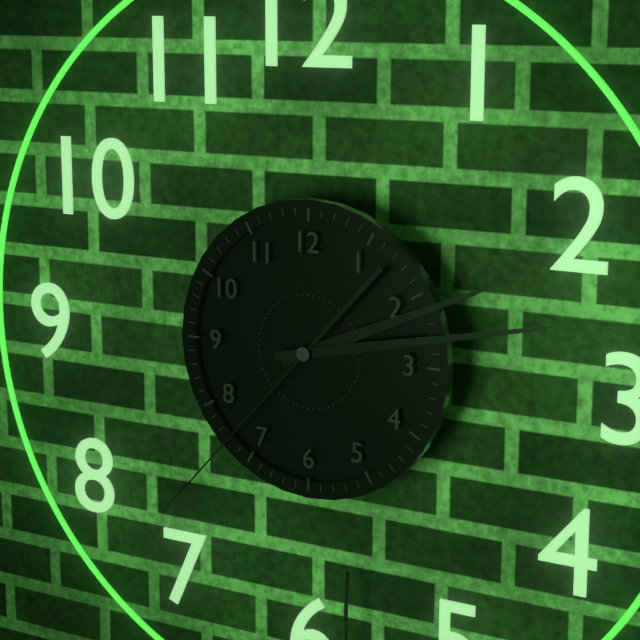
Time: **2:13:37**
